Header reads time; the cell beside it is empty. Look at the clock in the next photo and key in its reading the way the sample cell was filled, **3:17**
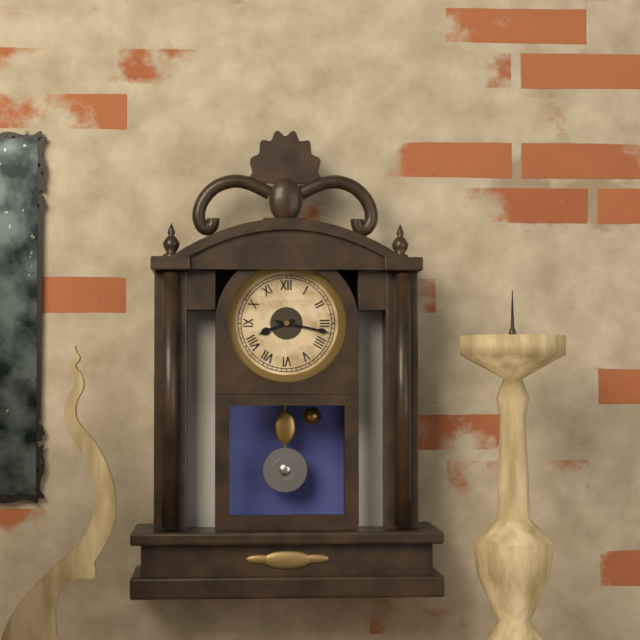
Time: **8:17**
